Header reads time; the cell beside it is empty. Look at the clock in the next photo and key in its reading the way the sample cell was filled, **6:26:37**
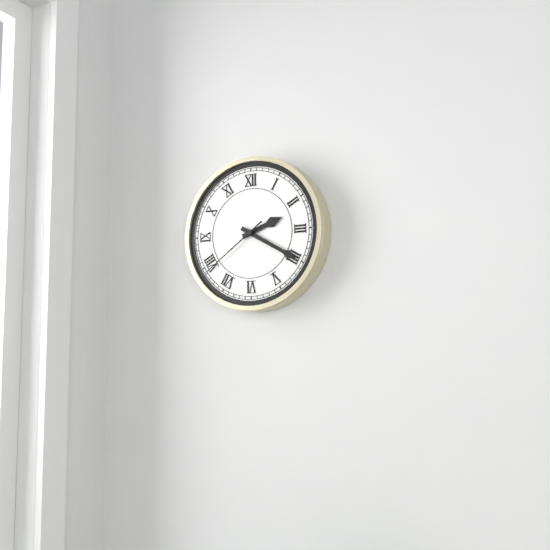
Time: **2:20:39**
